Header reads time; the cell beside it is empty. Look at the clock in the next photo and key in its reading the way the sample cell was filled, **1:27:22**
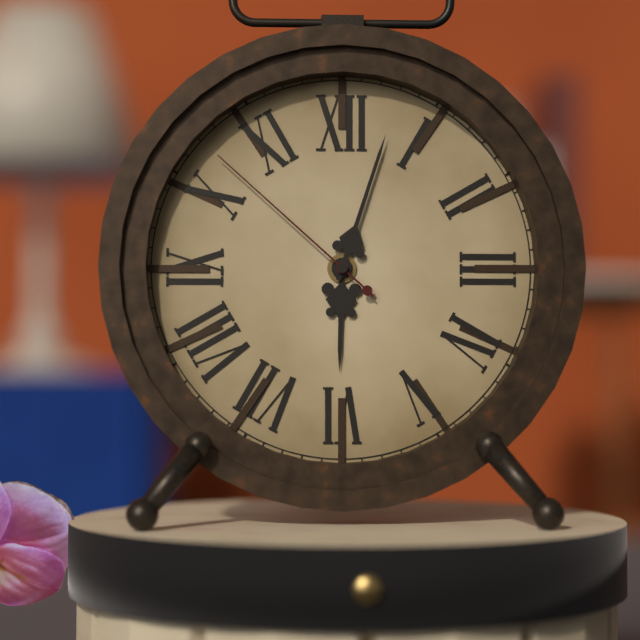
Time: **6:03:52**
